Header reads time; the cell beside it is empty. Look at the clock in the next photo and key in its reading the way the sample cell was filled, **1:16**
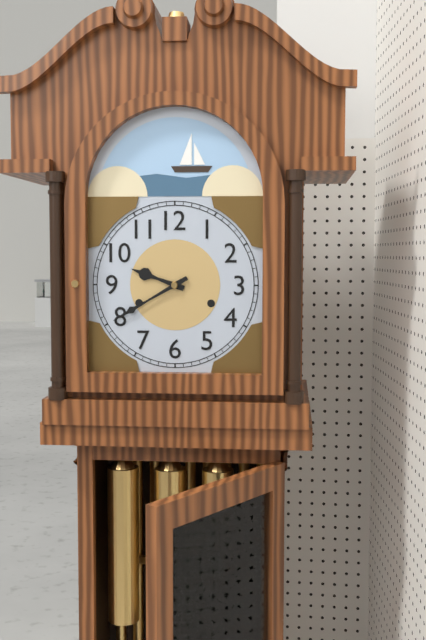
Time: **9:40**
